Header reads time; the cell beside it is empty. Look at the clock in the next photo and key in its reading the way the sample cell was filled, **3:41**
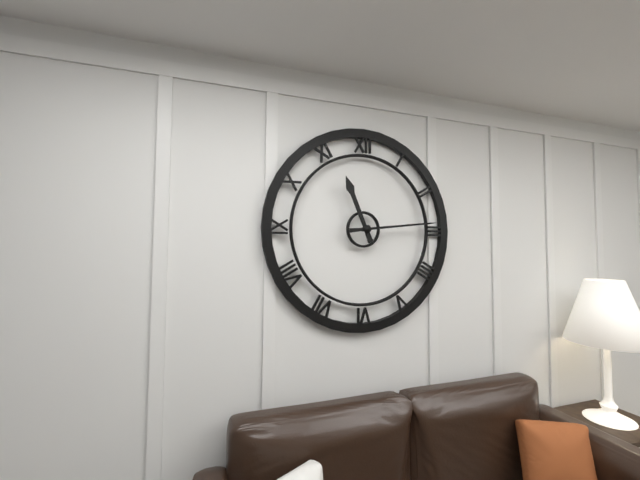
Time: **11:14**
